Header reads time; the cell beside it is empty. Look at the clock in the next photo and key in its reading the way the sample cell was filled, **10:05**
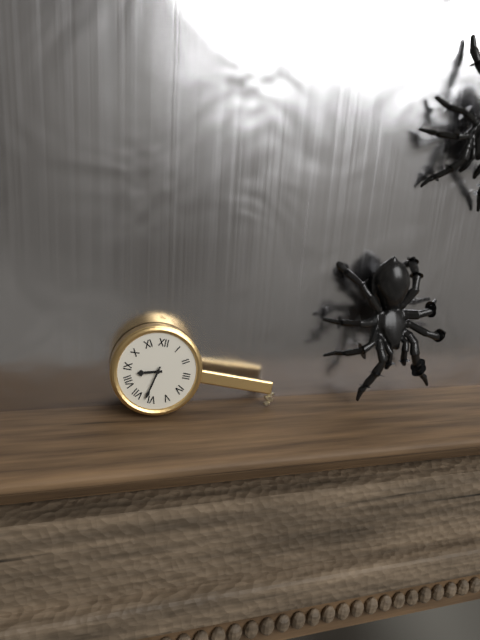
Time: **8:32**
